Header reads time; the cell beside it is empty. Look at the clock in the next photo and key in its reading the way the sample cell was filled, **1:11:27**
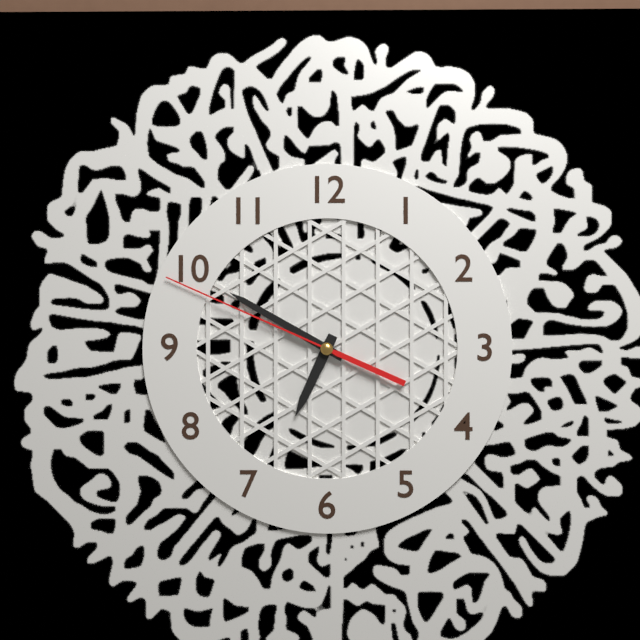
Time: **6:50:49**
